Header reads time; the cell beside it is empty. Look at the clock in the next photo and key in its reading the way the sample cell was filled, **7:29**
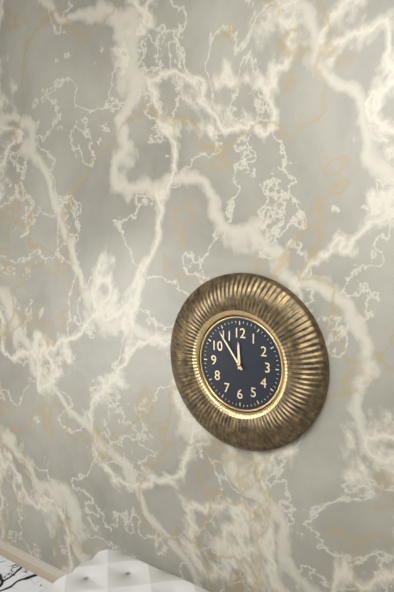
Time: **11:54**
